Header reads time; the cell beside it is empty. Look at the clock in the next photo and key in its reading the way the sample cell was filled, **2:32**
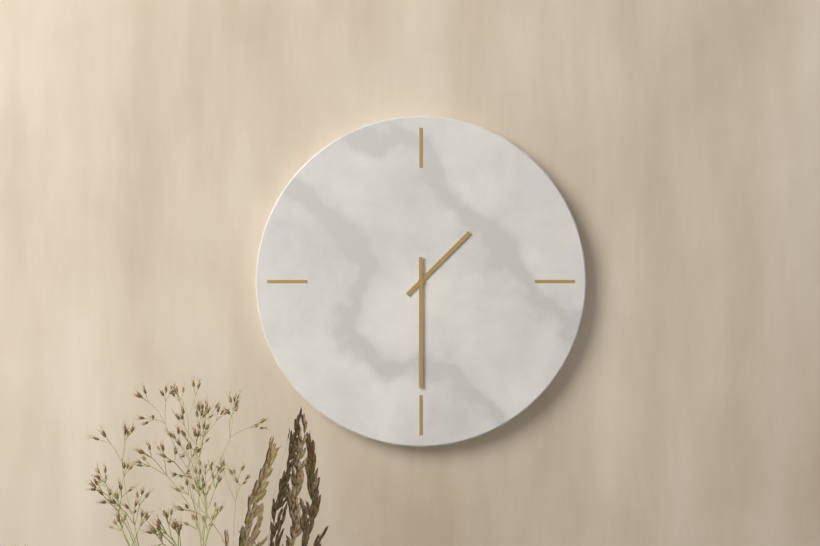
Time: **1:30**
